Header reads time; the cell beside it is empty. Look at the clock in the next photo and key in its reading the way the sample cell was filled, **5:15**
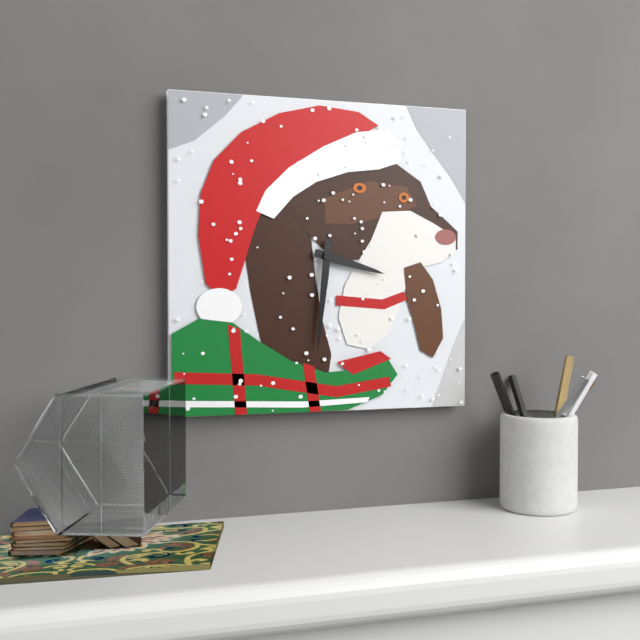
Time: **3:31**
